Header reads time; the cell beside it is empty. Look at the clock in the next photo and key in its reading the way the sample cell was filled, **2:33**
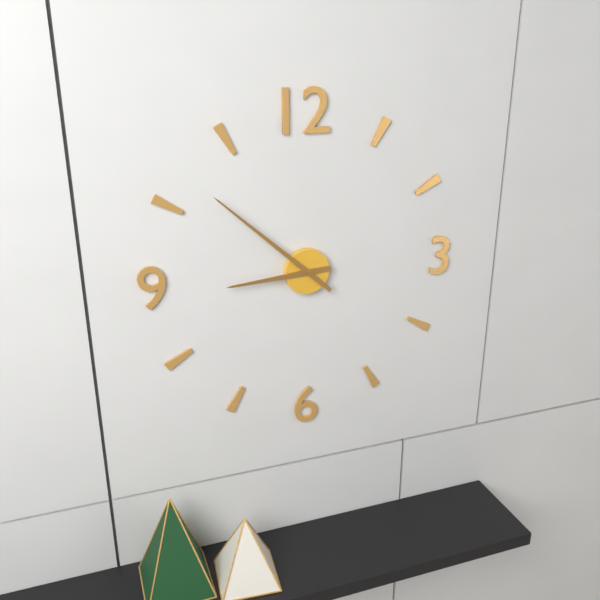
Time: **8:52**
